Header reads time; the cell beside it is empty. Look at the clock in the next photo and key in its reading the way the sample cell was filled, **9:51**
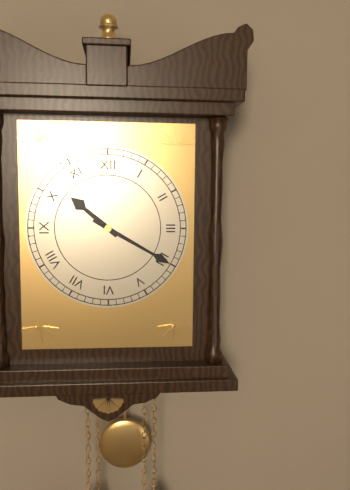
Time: **10:20**
